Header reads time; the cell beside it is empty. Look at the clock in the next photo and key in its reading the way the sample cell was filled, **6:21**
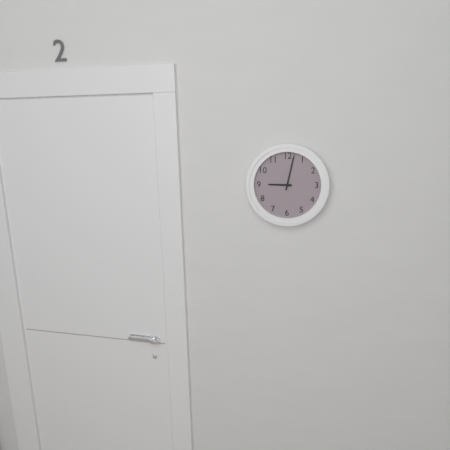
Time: **9:02**
